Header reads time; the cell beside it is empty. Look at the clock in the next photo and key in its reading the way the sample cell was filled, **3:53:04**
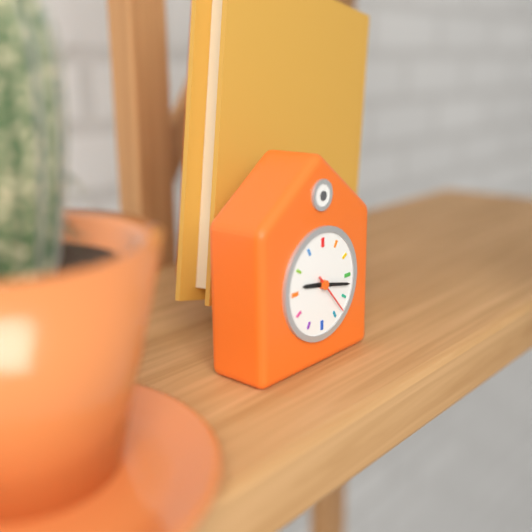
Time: **9:17:23**
